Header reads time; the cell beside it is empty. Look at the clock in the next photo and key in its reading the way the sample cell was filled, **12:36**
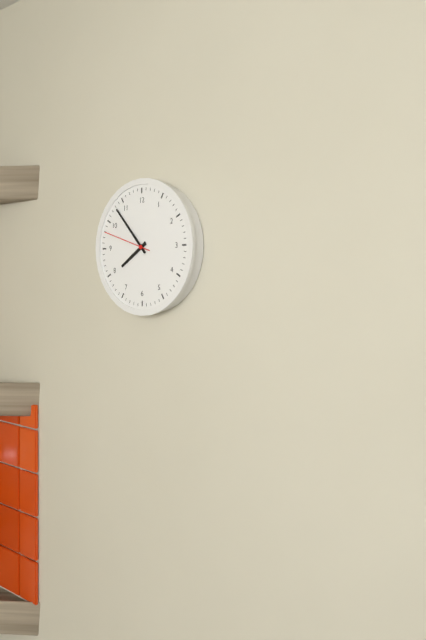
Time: **7:53**
